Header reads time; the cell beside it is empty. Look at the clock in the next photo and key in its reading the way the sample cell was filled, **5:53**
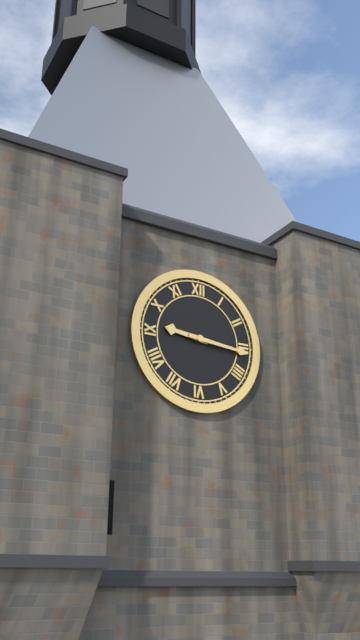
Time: **9:16**
